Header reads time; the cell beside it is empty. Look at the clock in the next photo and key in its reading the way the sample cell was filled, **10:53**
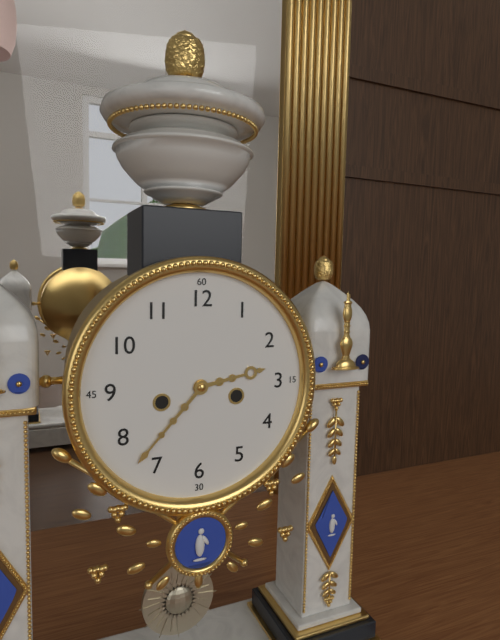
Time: **2:37**
